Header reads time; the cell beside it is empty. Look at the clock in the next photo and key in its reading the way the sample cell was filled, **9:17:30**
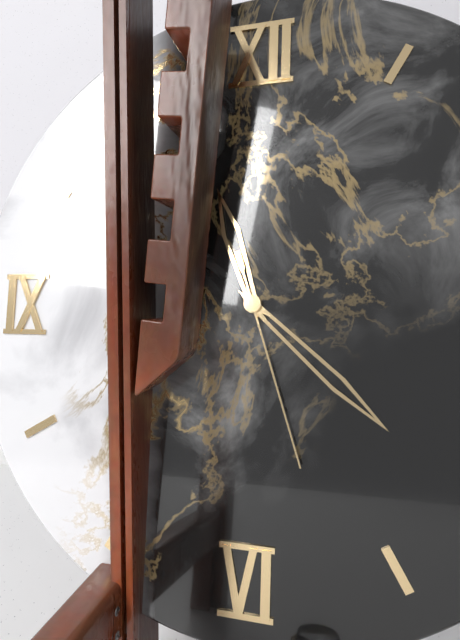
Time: **11:22:27**
